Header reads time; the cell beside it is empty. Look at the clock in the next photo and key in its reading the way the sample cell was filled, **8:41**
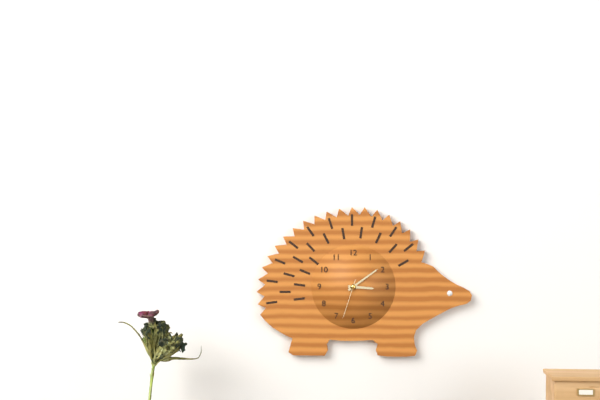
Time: **3:09**
